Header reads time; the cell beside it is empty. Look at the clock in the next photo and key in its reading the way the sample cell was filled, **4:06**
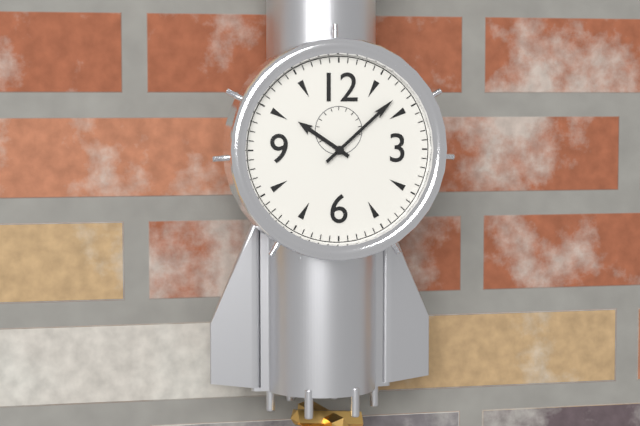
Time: **10:08**
